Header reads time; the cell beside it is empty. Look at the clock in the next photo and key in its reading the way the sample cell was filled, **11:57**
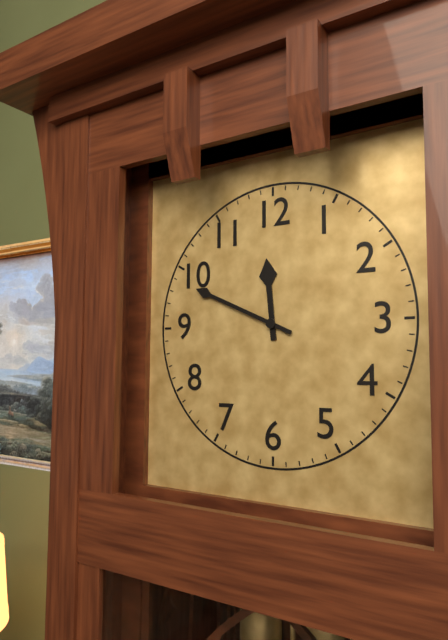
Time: **11:49**
